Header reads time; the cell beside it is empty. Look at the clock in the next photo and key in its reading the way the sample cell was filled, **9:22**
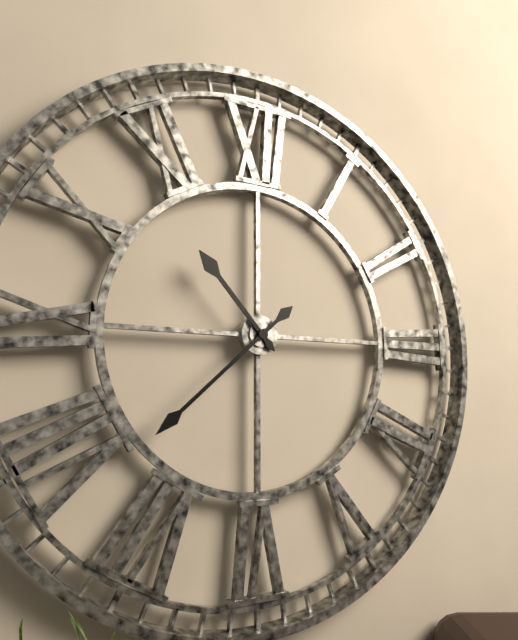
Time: **10:38**
